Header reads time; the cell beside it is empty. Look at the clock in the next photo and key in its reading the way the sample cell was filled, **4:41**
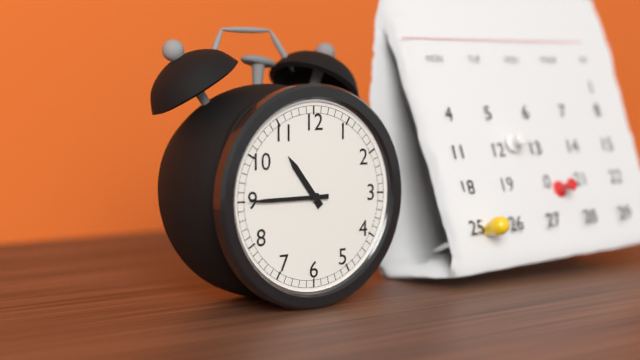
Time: **10:45**
